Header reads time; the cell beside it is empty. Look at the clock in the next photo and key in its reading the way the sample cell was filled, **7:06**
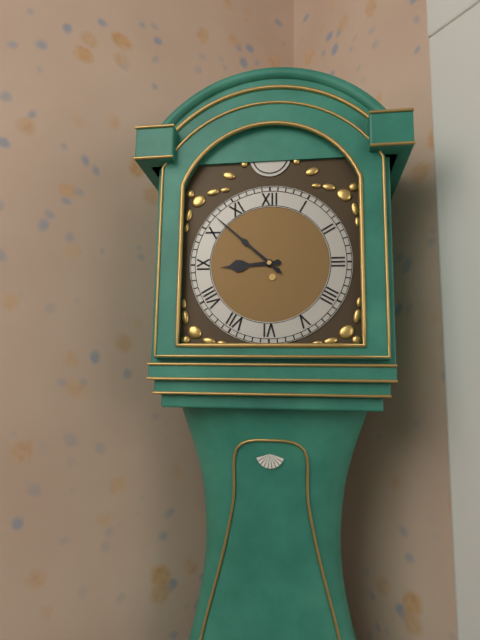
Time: **8:52**
